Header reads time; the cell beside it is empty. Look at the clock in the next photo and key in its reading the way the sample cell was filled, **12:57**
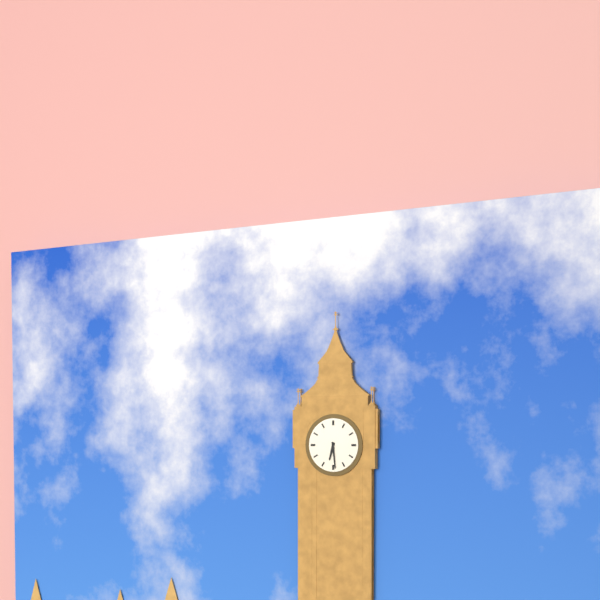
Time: **6:29**
